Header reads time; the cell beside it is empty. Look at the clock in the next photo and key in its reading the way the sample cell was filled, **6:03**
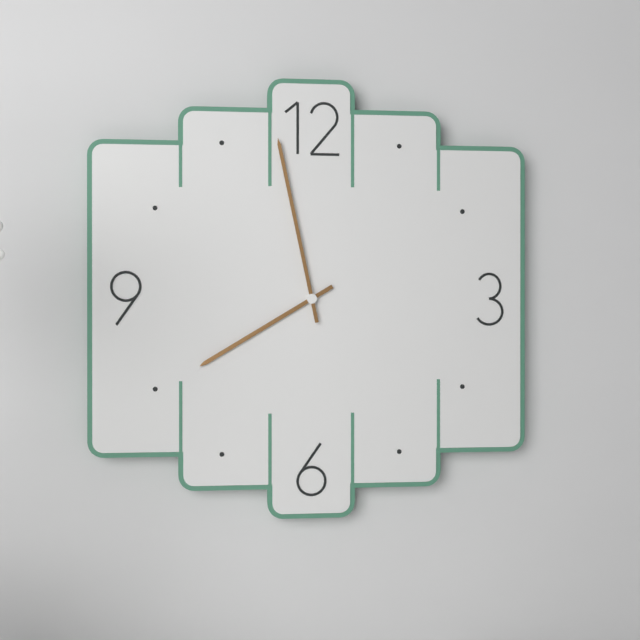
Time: **7:58**
